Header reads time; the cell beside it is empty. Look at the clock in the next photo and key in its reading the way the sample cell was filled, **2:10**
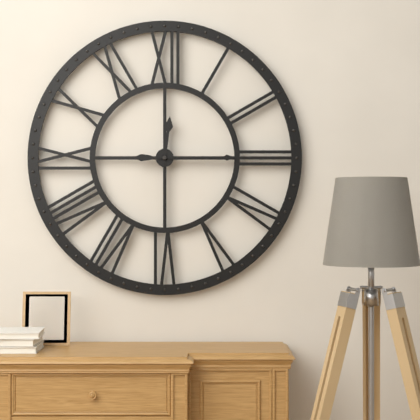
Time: **12:15**
